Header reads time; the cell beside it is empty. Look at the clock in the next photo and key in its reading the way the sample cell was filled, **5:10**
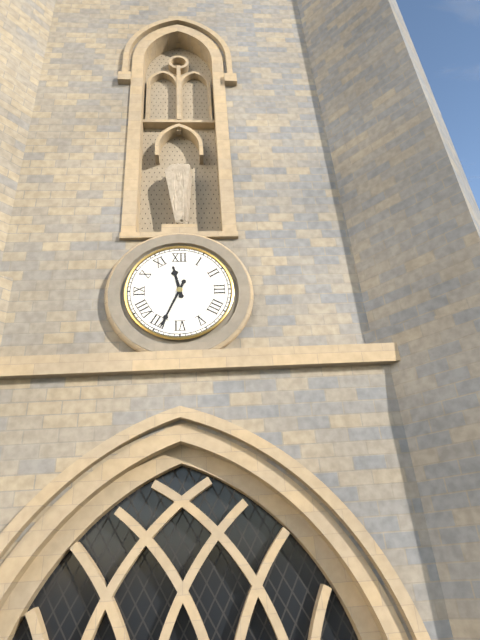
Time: **11:34**
